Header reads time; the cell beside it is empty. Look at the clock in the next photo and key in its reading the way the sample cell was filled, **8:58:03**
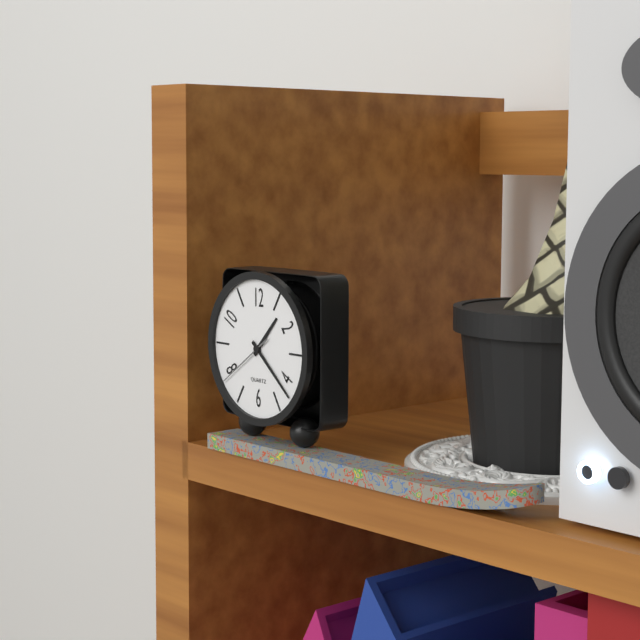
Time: **1:22:39**
